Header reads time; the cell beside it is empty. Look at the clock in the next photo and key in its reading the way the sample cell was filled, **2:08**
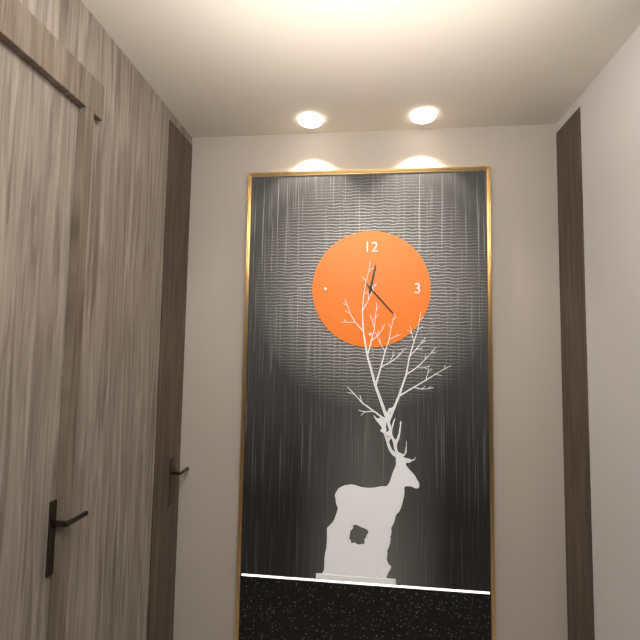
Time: **12:23**
